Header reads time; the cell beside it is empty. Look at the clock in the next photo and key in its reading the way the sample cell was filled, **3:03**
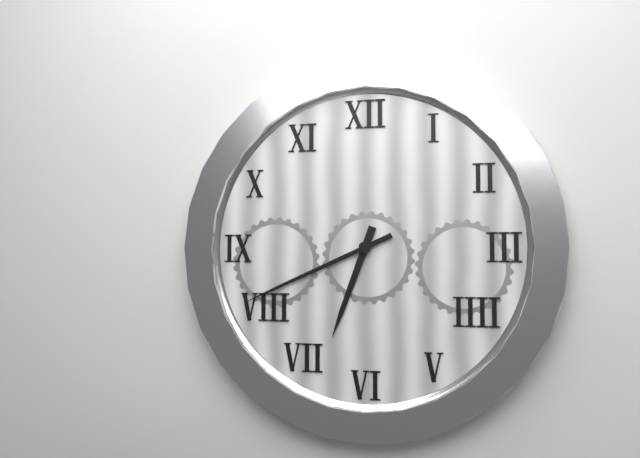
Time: **6:41**
